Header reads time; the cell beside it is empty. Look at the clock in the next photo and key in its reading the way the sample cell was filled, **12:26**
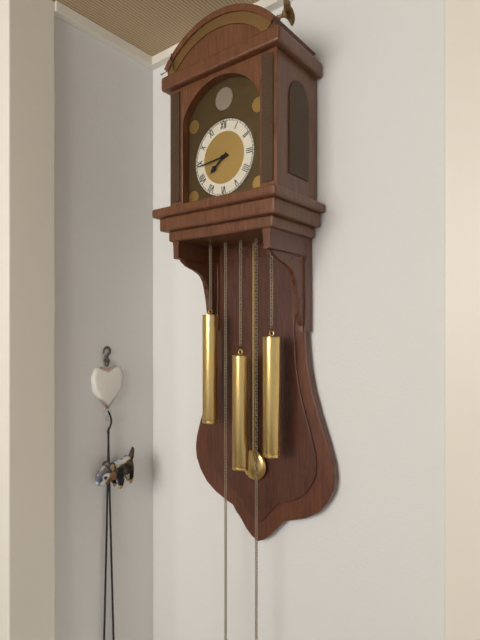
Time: **7:44**
